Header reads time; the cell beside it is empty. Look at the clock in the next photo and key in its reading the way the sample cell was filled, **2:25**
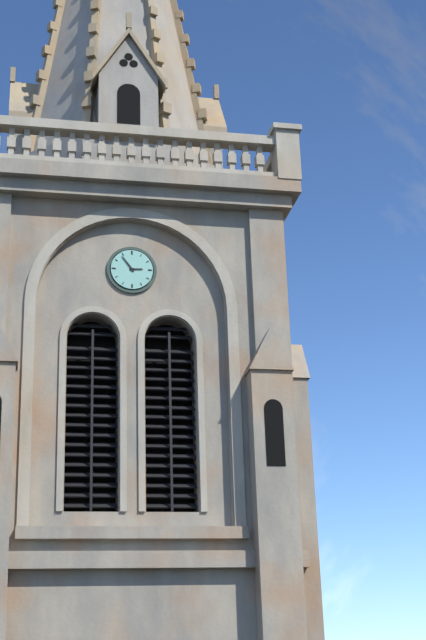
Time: **2:54**
